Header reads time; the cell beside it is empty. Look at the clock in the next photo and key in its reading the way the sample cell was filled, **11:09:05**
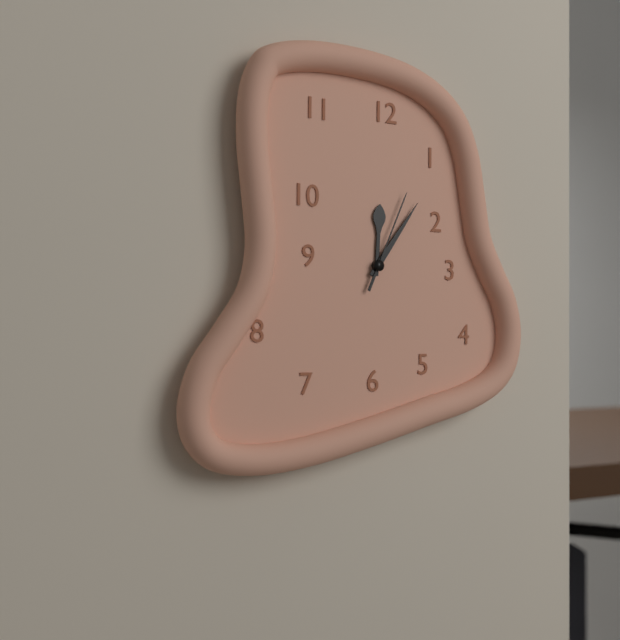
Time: **12:06:04**
